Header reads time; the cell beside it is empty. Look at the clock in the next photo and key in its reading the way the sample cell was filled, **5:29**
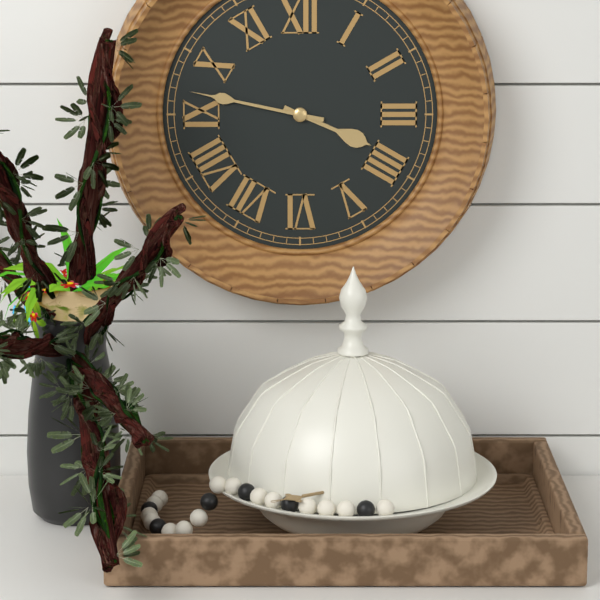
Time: **3:47**
